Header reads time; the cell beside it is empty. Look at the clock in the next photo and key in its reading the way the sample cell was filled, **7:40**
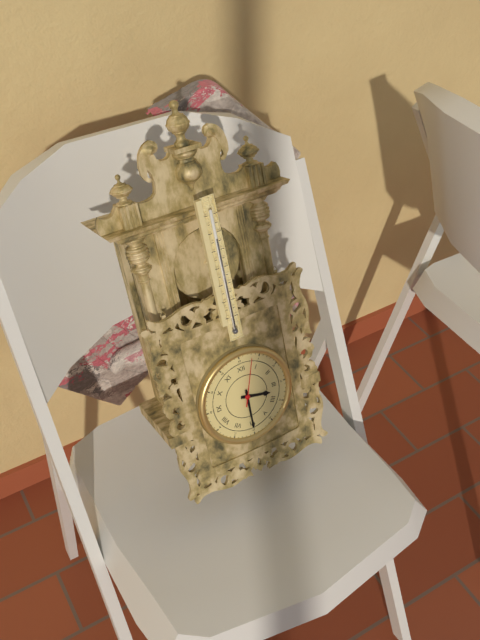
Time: **3:30**
